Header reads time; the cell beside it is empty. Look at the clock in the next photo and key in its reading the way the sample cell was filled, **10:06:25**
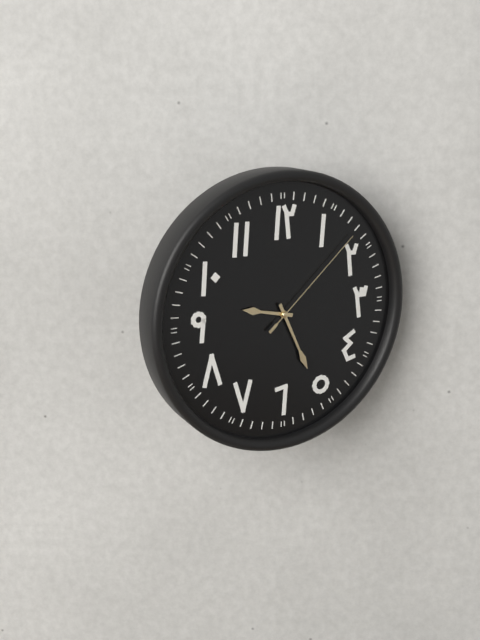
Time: **9:26:08**
